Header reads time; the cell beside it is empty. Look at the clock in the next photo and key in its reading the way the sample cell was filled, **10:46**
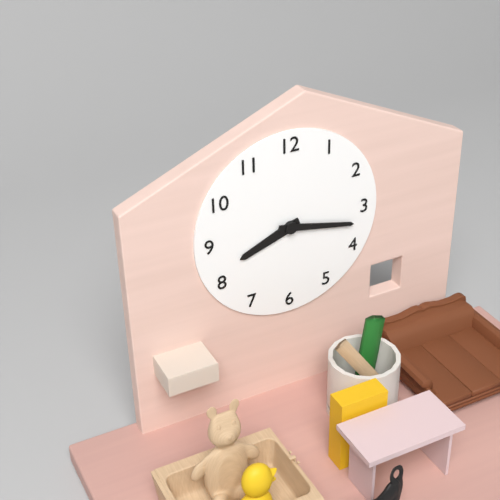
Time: **8:17**
